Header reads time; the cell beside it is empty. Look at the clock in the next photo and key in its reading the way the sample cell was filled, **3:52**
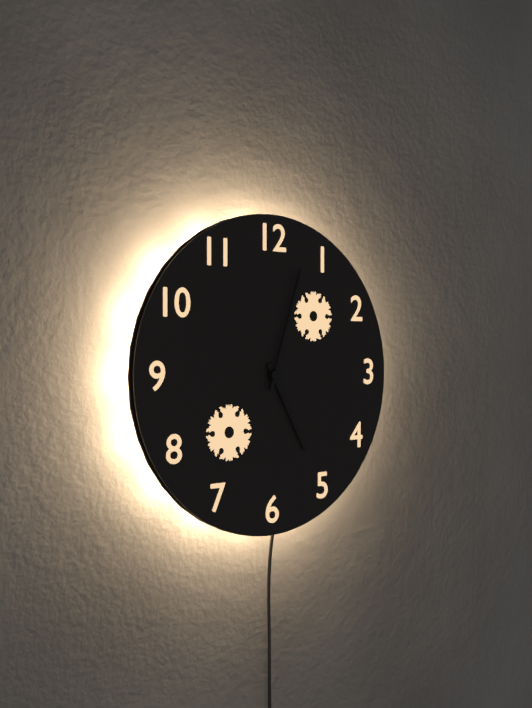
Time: **5:03**
